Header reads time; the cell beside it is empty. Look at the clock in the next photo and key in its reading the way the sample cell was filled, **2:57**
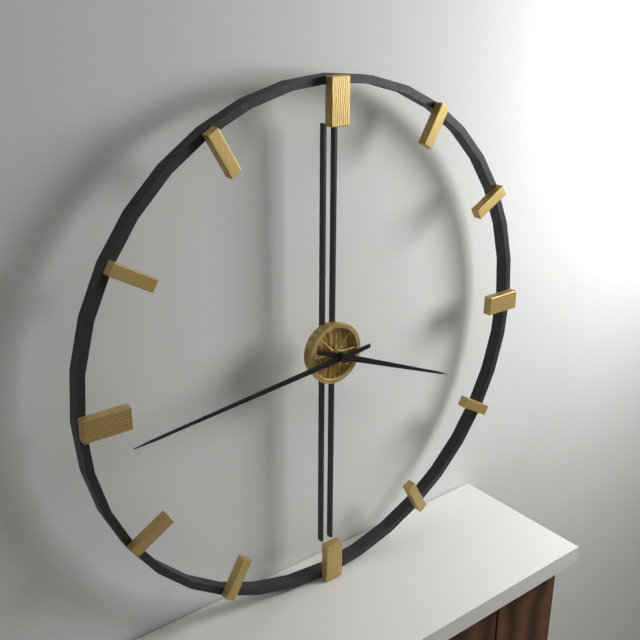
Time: **3:44**
